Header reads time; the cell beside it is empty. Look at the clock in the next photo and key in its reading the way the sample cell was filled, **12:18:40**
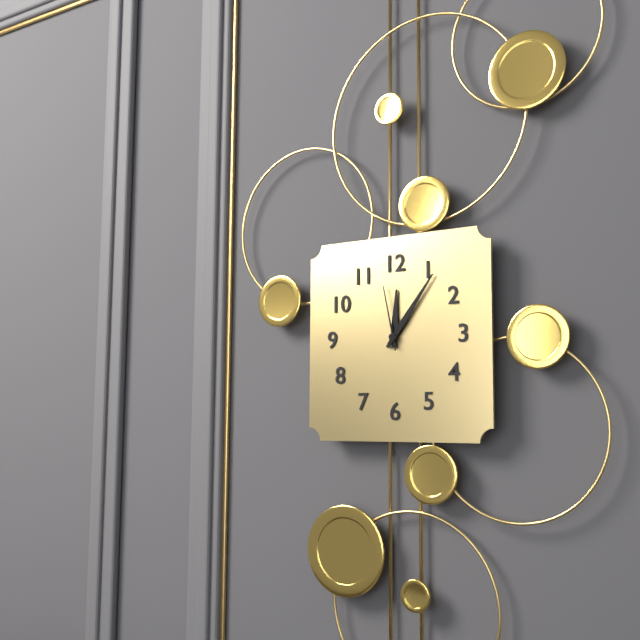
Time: **12:06:58**
